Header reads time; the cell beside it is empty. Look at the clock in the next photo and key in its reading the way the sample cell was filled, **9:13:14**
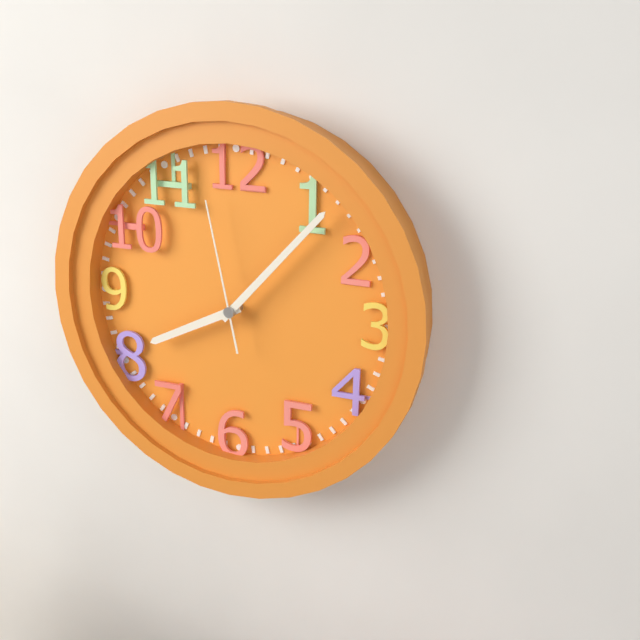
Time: **8:07:58**
